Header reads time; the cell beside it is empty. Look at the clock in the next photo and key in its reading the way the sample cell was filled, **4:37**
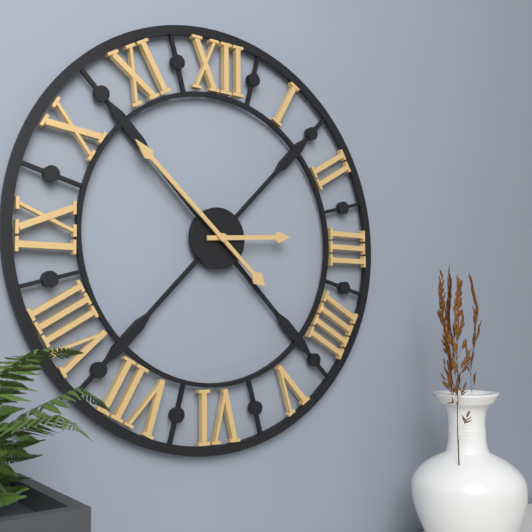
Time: **2:52**
